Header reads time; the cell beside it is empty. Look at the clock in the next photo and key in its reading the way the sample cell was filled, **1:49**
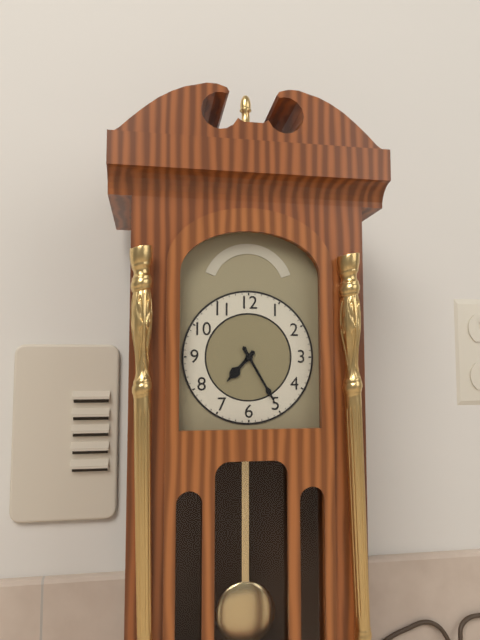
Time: **7:25**
